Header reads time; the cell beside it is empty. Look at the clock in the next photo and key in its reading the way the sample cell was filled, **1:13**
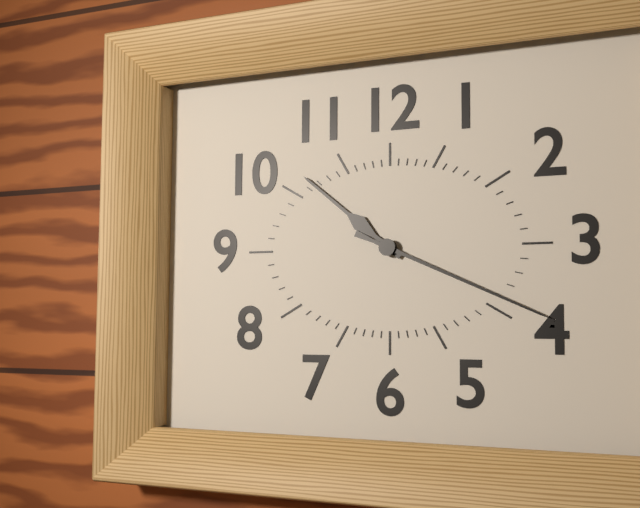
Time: **10:19**
